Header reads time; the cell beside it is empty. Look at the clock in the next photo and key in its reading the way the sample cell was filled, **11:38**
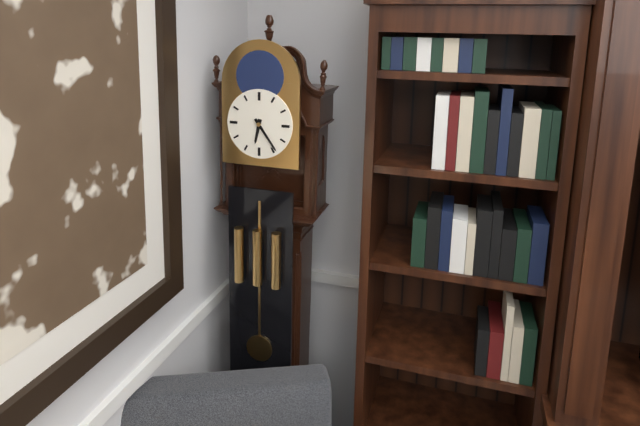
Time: **6:24**
